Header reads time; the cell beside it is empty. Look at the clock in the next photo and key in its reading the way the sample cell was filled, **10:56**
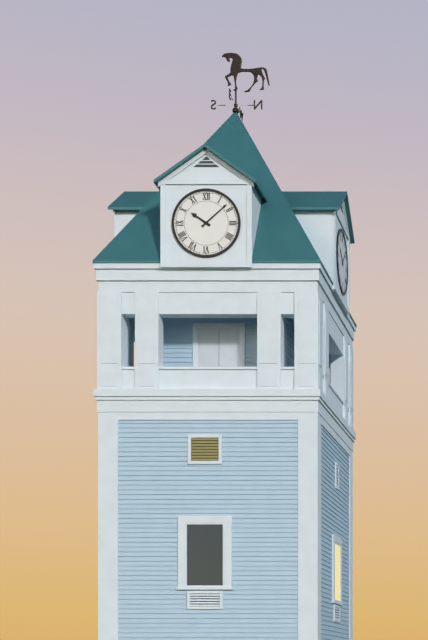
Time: **10:08**
